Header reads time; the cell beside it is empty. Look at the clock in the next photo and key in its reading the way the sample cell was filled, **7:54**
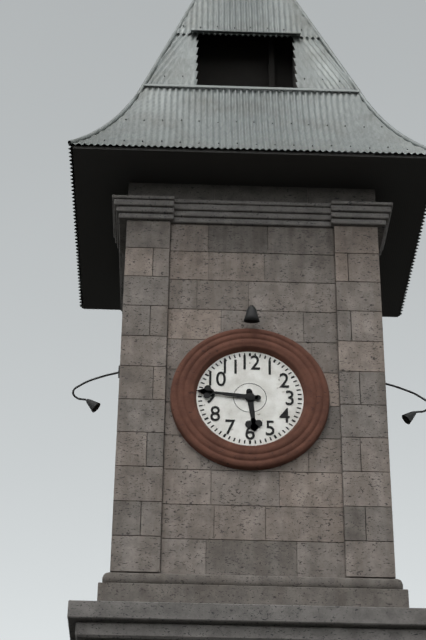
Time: **5:46**
